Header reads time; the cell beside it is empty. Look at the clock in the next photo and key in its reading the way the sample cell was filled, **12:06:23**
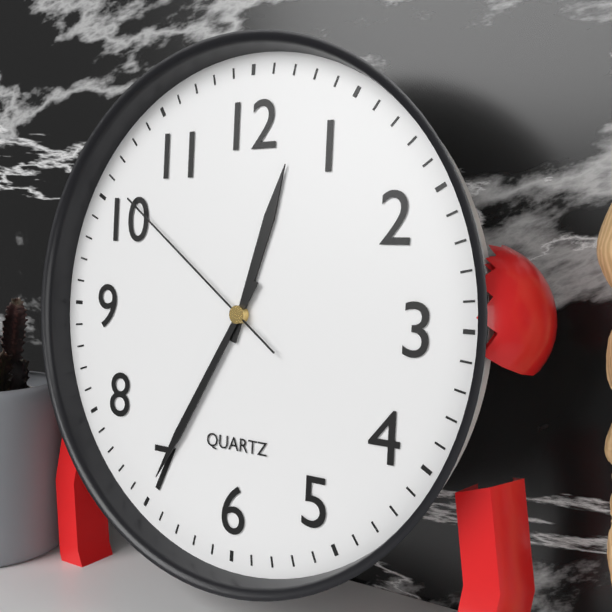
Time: **12:35:51**
